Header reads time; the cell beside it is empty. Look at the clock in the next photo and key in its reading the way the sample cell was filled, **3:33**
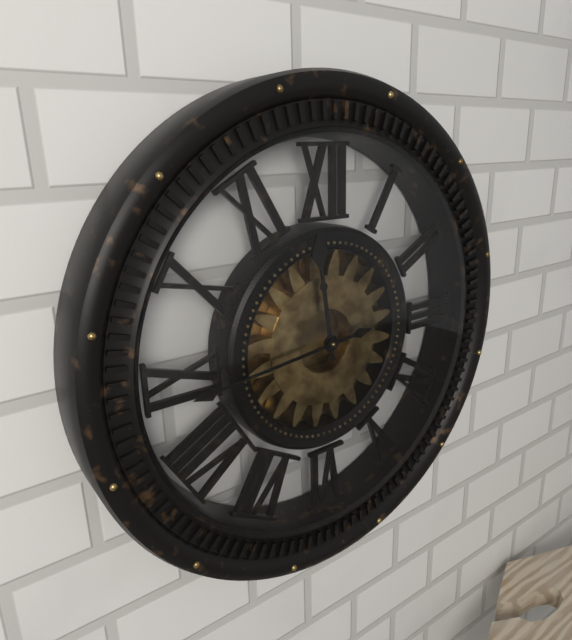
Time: **11:44**
